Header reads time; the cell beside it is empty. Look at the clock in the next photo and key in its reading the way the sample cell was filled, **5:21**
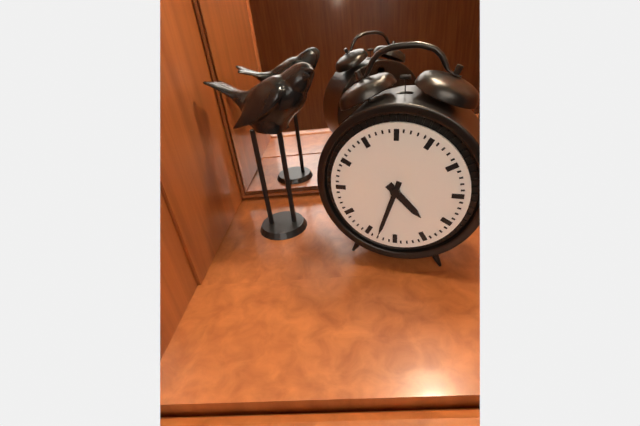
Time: **4:33**
